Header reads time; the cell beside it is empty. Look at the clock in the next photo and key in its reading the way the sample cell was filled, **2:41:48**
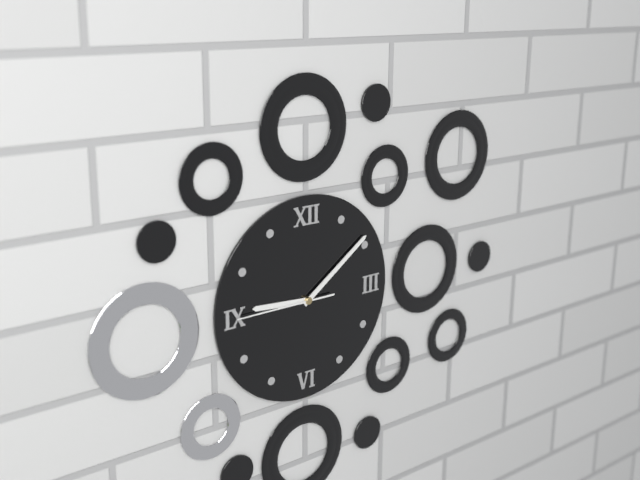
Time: **9:09:45**
